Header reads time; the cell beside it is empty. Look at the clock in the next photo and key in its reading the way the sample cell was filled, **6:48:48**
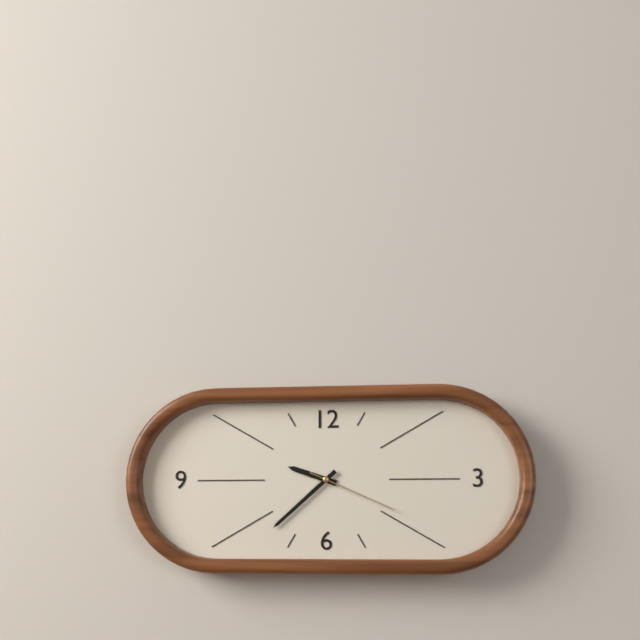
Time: **9:38:19**
